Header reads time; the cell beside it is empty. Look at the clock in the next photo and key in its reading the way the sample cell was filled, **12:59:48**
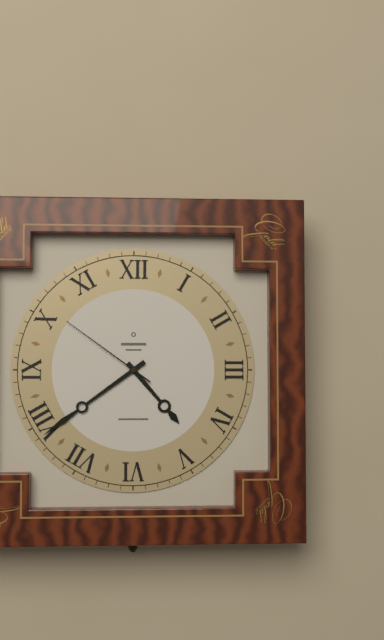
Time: **4:39:51**
